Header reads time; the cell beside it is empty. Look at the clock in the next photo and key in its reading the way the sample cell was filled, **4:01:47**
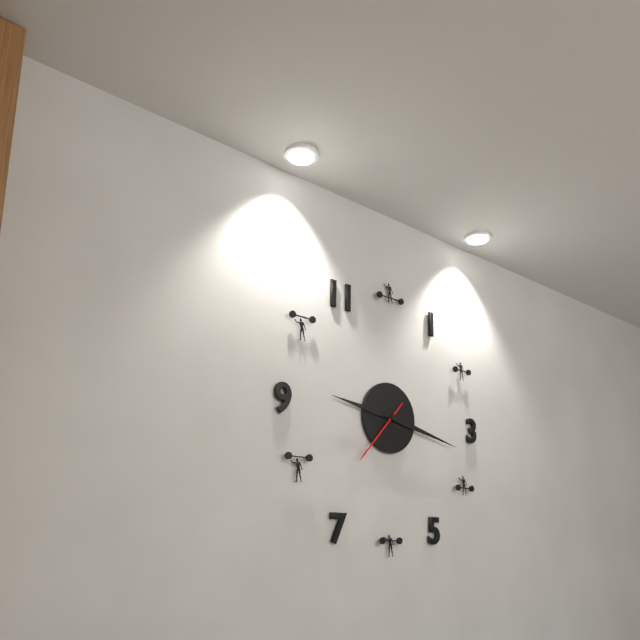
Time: **9:17:37**
